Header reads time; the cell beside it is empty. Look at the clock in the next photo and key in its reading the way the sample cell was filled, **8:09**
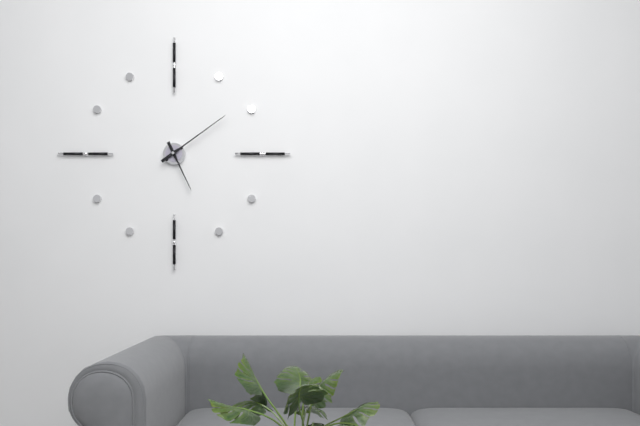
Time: **5:09**
